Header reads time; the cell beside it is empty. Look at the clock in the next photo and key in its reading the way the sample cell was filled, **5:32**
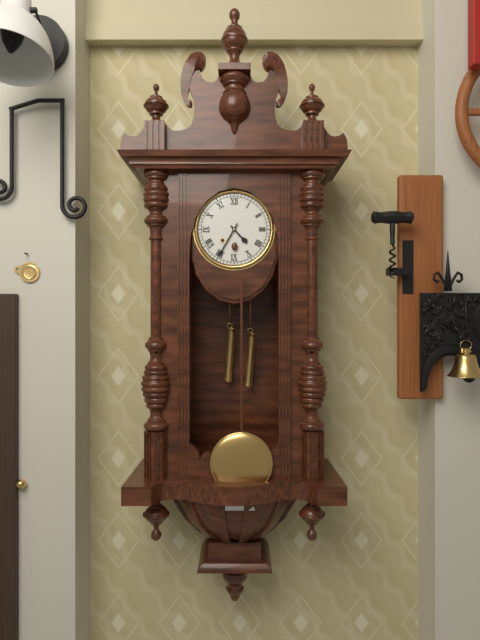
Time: **4:35**
